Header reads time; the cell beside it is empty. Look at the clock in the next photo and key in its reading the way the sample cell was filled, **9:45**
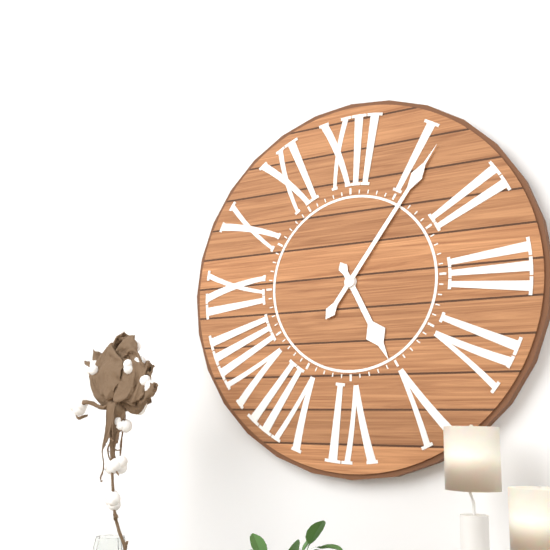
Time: **5:06**
